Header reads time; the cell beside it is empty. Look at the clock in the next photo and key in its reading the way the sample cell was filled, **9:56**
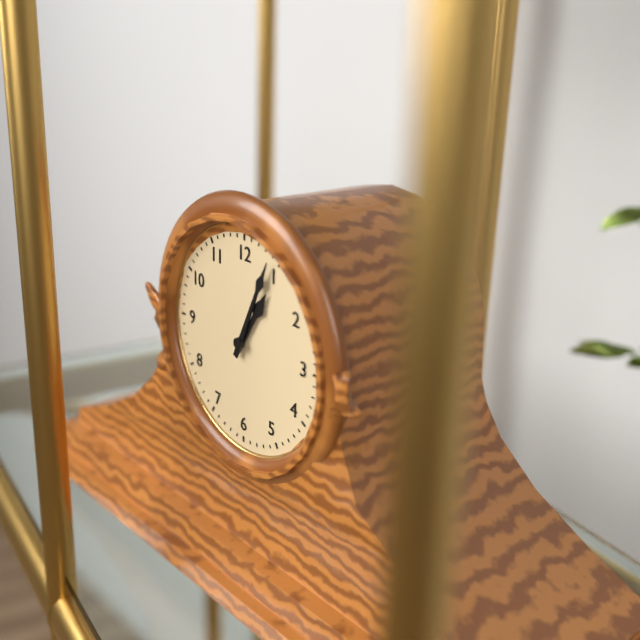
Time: **1:04**
